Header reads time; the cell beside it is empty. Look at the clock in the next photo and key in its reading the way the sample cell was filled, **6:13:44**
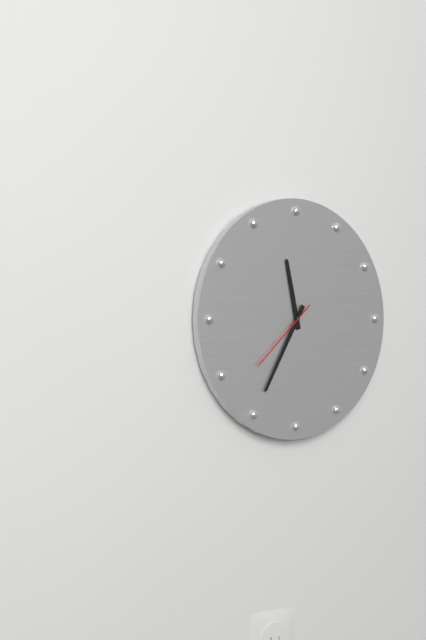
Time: **11:35:38**
